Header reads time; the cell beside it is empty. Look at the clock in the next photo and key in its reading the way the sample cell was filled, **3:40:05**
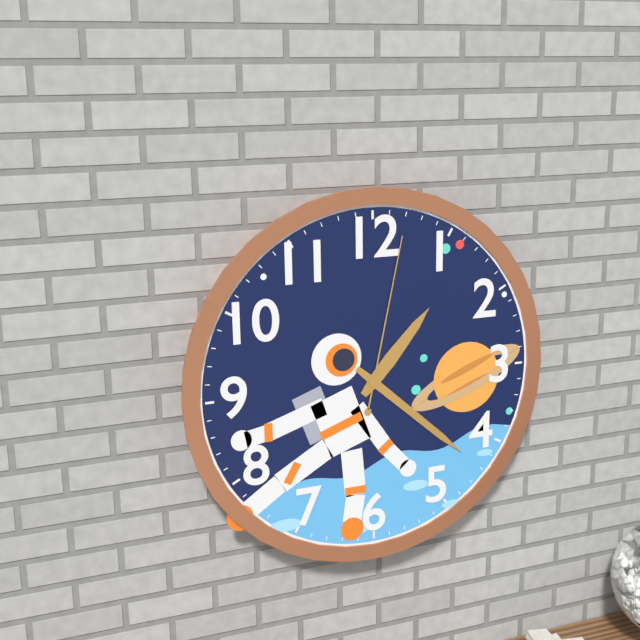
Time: **1:22:02**
